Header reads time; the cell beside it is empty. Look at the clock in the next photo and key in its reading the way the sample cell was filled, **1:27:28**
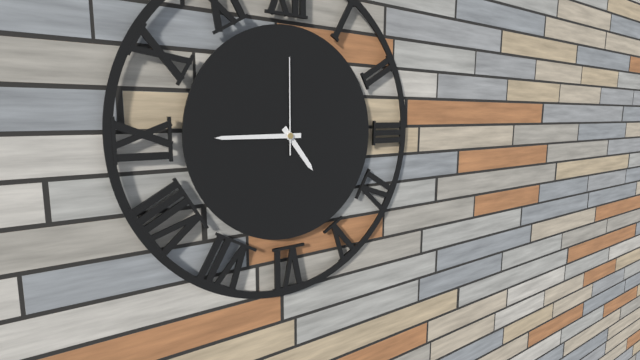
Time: **4:45:00**
